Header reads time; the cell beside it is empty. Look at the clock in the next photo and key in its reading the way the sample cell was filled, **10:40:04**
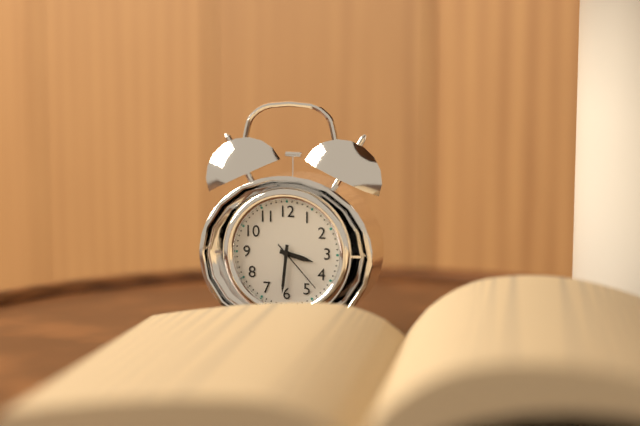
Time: **3:31:23**
